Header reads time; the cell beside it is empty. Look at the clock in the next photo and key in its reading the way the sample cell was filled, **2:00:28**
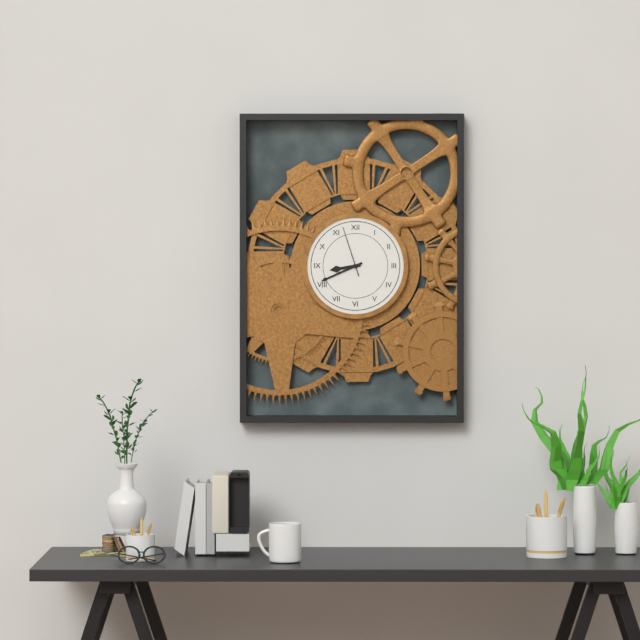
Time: **8:41:57**
